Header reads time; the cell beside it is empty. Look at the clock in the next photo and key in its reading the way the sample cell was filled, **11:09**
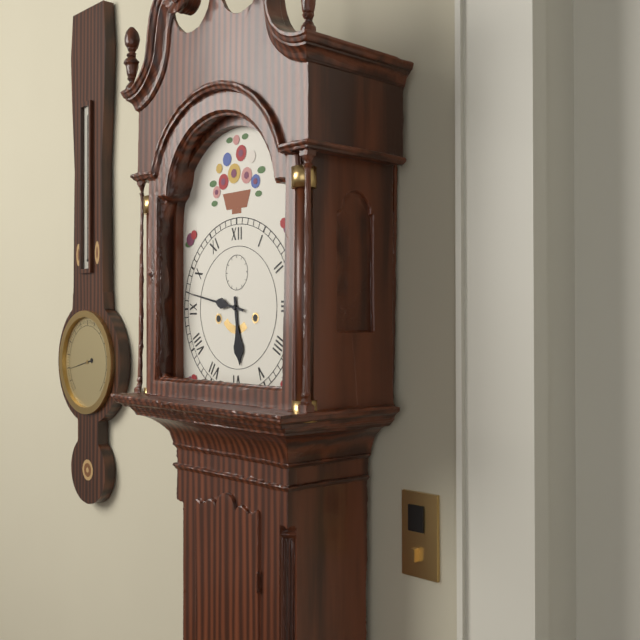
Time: **5:47**
